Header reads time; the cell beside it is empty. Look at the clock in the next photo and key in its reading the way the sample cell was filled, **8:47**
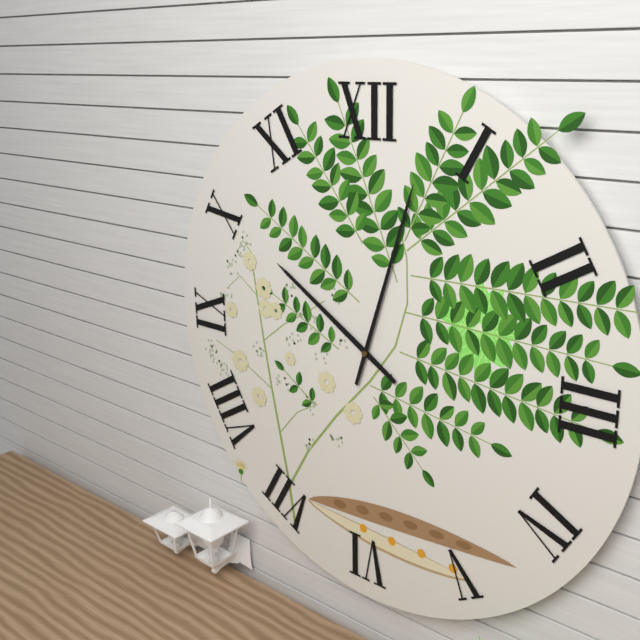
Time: **10:03**
